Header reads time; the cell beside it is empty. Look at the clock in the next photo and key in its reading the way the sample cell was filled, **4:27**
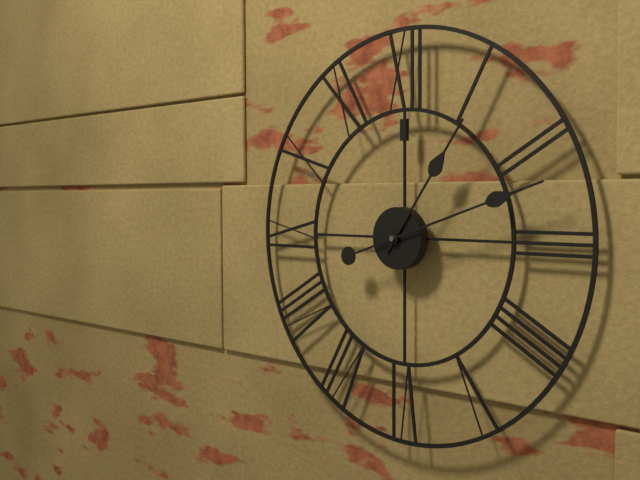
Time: **1:12**
